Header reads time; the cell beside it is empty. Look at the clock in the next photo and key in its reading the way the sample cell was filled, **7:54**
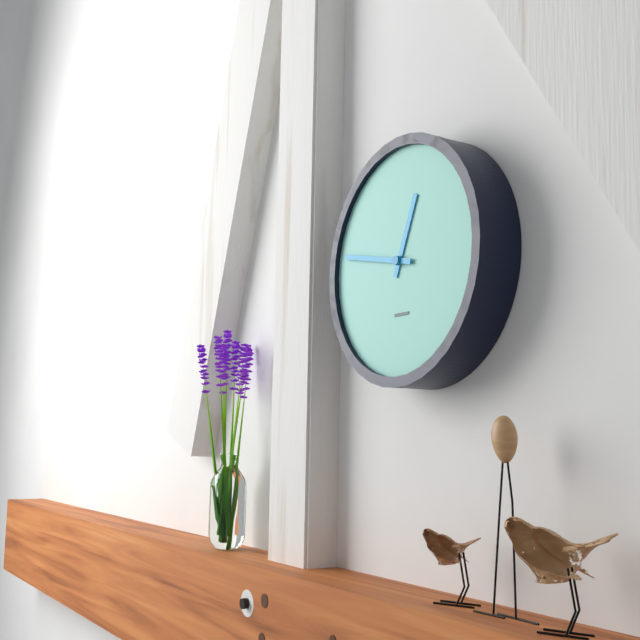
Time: **12:47**
